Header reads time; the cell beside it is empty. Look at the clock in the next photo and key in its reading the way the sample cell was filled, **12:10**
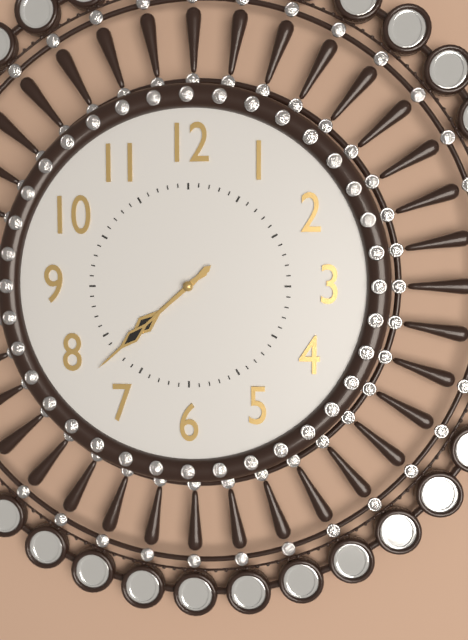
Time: **7:38**
